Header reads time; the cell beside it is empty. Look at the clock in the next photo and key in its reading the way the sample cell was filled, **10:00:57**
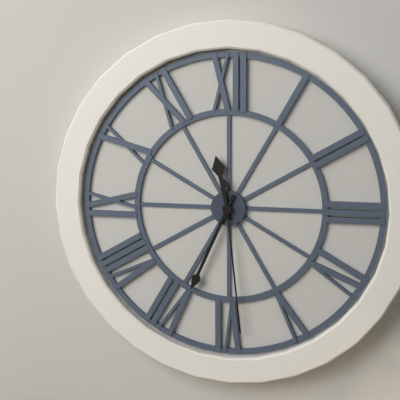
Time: **11:34:29**
